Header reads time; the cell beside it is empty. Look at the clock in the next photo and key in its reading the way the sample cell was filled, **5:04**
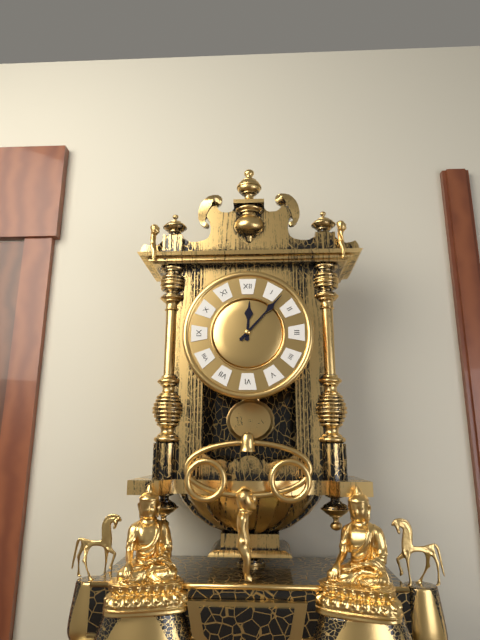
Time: **12:07**
